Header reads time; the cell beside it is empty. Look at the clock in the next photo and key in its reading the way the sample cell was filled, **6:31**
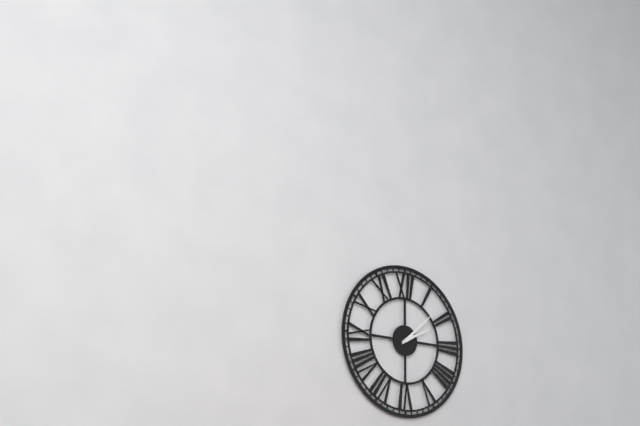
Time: **2:08**
